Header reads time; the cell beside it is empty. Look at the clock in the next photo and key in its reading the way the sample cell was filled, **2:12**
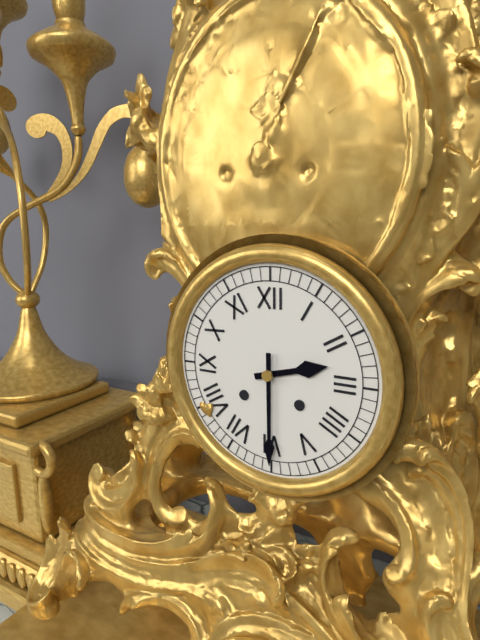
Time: **2:30**
